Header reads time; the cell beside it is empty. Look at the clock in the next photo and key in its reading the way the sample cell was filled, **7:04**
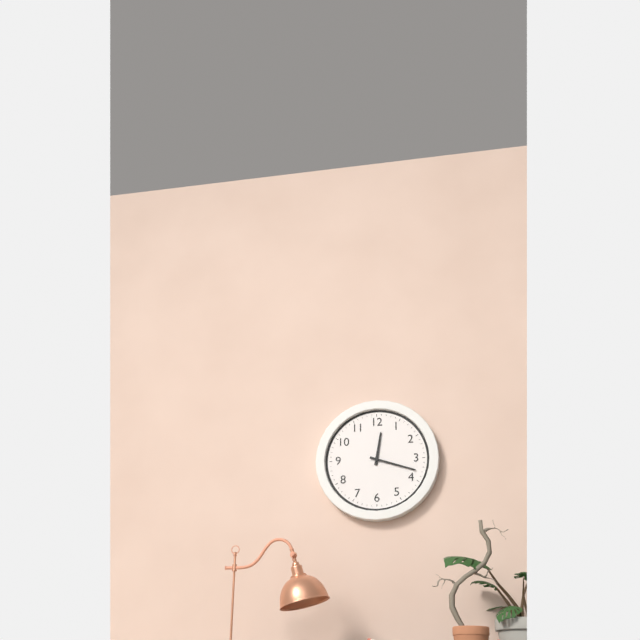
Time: **12:18**
